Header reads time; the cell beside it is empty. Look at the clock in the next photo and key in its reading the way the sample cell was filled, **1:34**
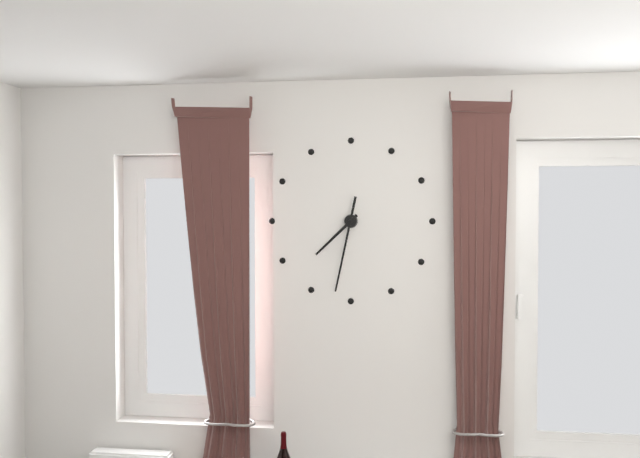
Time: **7:32**
